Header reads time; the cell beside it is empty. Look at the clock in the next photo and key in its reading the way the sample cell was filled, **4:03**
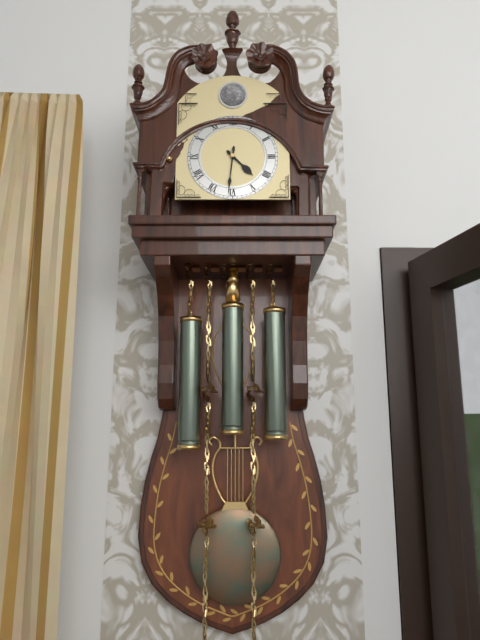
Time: **4:31**
